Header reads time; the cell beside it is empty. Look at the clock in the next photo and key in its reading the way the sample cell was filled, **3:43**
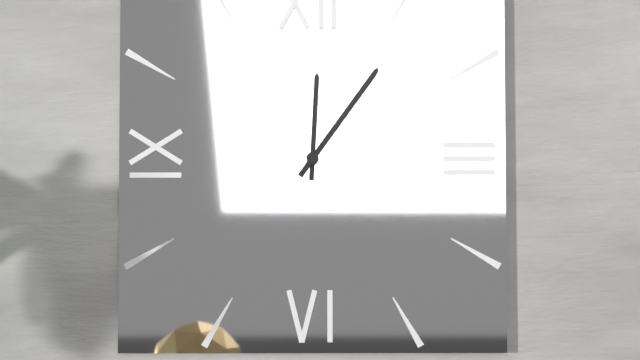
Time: **12:06**
